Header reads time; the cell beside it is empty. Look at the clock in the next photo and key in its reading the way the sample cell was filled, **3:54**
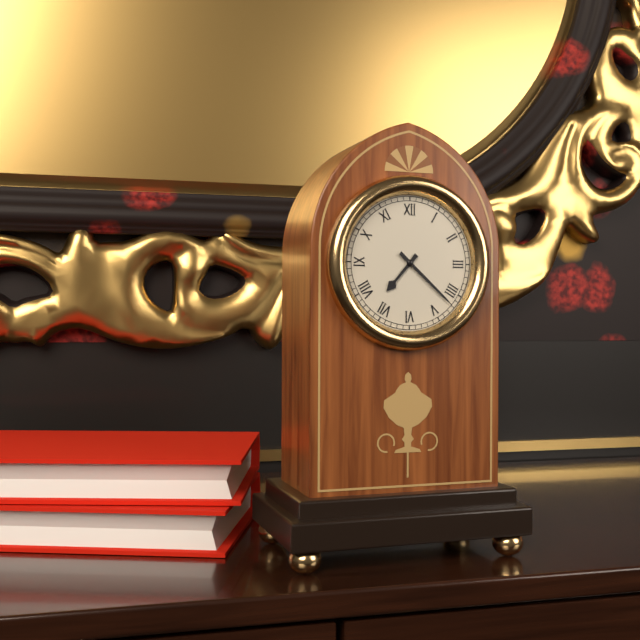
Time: **7:22**
